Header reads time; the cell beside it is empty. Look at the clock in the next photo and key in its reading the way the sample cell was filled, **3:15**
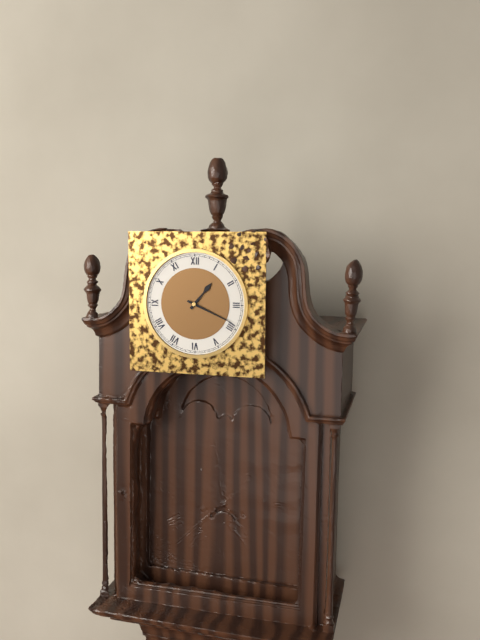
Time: **1:19**
